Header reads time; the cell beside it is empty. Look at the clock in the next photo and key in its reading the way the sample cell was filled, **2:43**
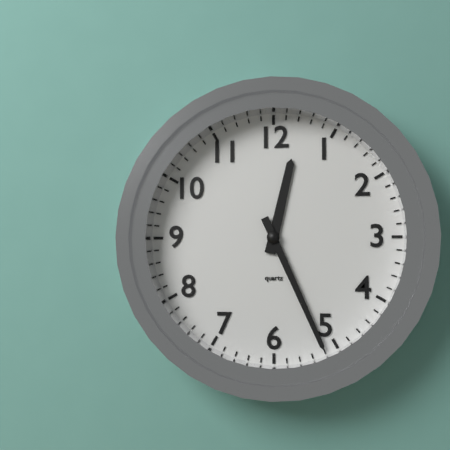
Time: **12:26**
